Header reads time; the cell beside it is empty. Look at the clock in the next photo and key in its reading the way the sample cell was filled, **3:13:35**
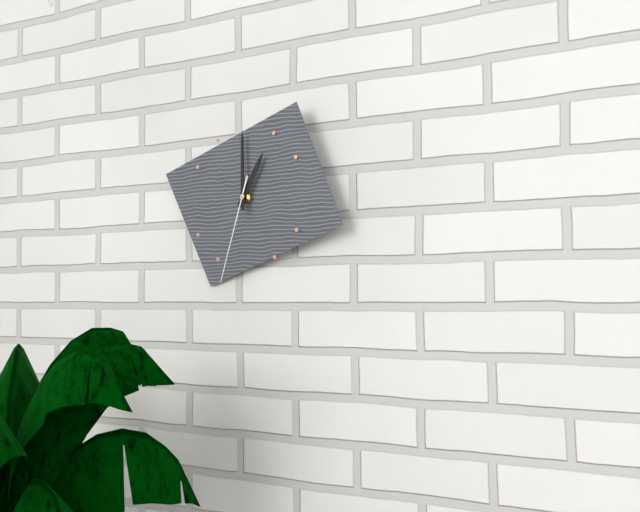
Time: **1:00:33**
